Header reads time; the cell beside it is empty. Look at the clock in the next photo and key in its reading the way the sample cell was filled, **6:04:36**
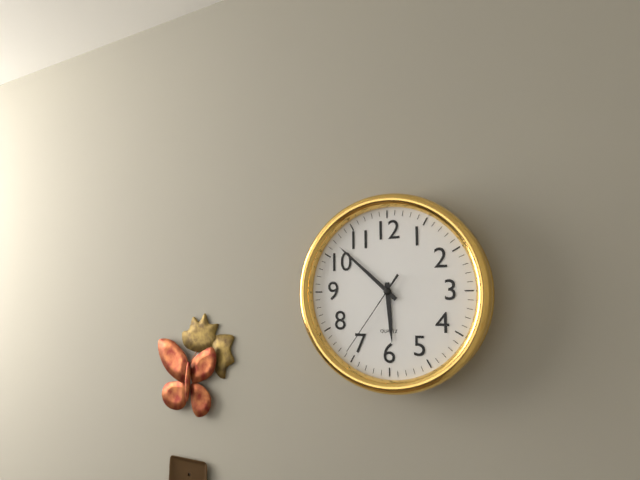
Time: **5:52:36**
